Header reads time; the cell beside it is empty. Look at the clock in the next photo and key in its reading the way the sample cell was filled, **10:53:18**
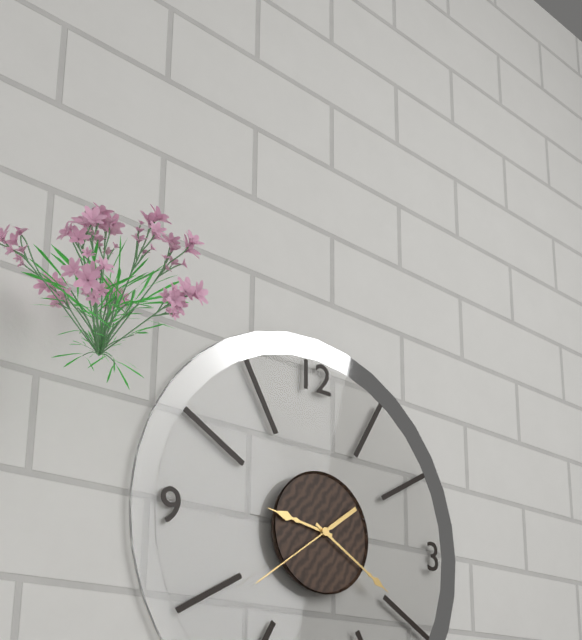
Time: **9:20:39**
